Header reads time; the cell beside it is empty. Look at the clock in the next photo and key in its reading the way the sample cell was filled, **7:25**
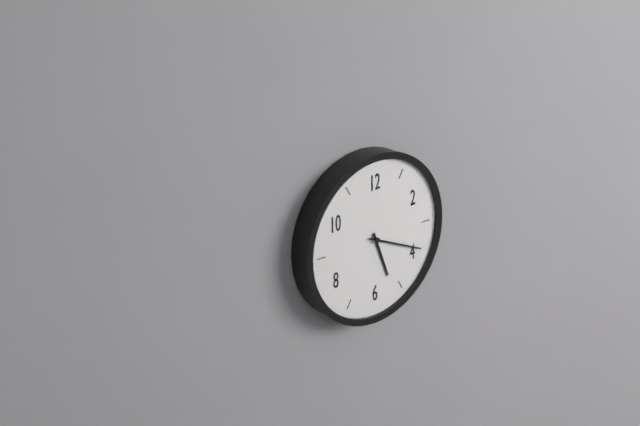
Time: **5:19**
